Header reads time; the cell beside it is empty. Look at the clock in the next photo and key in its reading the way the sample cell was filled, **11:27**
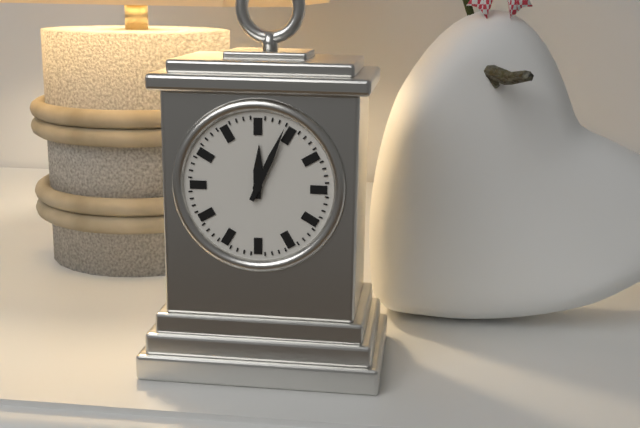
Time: **12:04**
